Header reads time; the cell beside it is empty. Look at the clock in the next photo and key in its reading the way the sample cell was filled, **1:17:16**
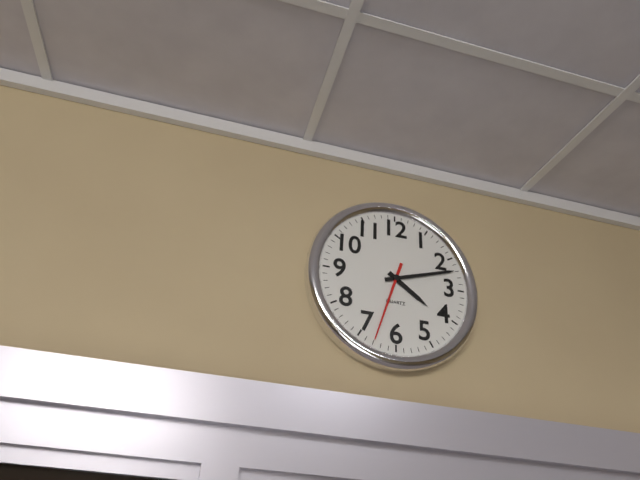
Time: **4:12:33**
